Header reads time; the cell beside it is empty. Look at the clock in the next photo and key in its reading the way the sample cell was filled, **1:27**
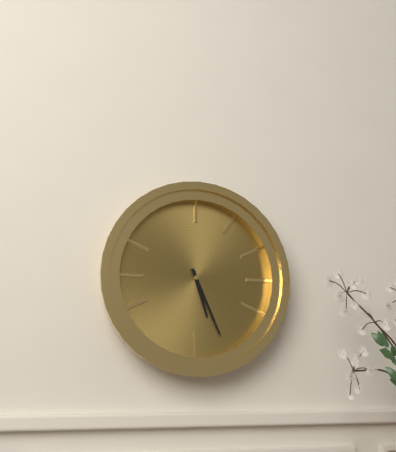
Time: **5:26**
